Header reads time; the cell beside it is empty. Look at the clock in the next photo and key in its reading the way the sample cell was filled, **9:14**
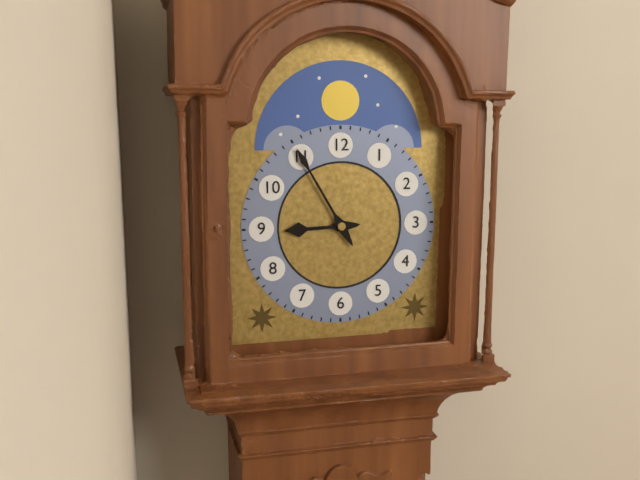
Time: **8:55**
